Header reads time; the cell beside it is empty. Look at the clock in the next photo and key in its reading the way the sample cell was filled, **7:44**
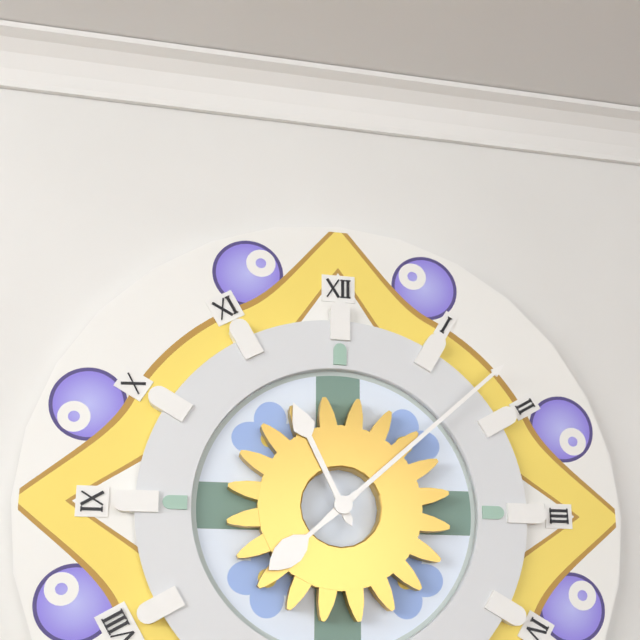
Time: **11:08**
